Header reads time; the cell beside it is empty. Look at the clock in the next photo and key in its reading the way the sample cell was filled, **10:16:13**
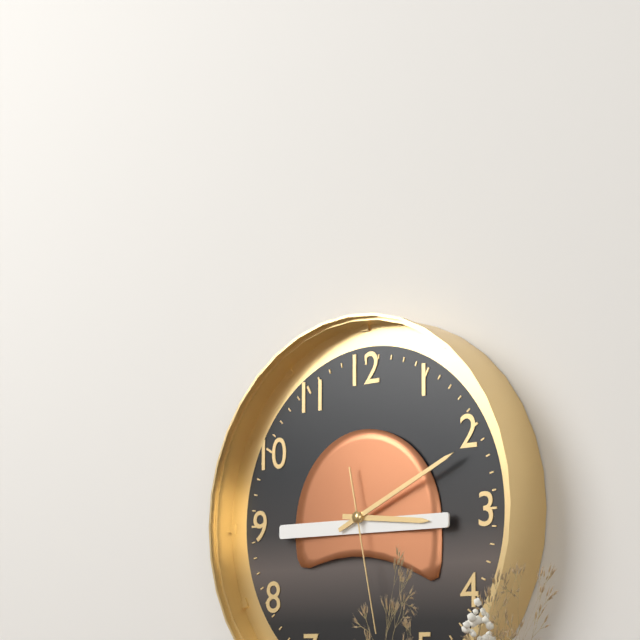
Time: **3:11:28**
